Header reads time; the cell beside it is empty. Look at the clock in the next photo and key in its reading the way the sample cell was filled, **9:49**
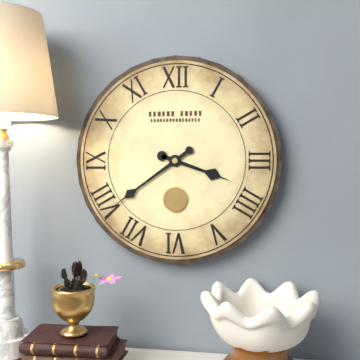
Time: **3:39**
